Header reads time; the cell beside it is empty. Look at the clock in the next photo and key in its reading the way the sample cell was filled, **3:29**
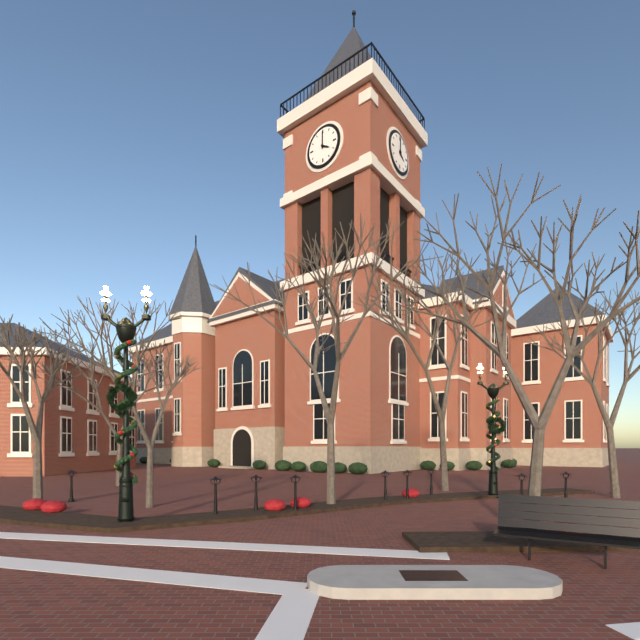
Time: **4:00**
